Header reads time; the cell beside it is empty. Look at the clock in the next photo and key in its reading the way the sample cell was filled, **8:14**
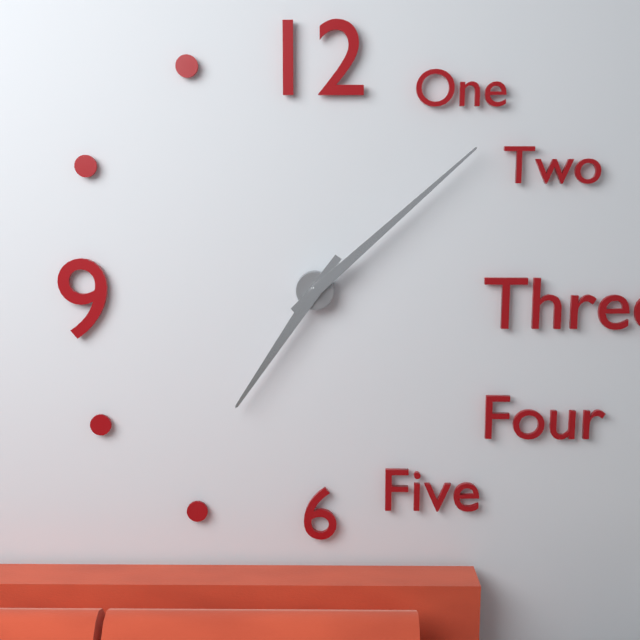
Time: **7:08**
